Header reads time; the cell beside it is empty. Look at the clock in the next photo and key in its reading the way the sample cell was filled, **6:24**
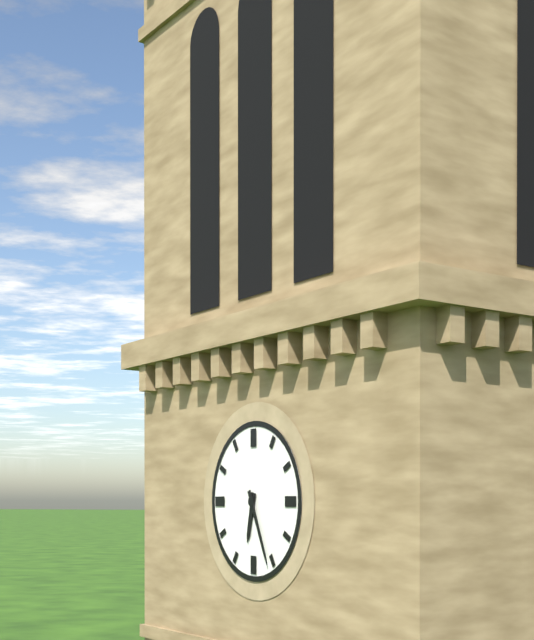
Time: **6:26**
